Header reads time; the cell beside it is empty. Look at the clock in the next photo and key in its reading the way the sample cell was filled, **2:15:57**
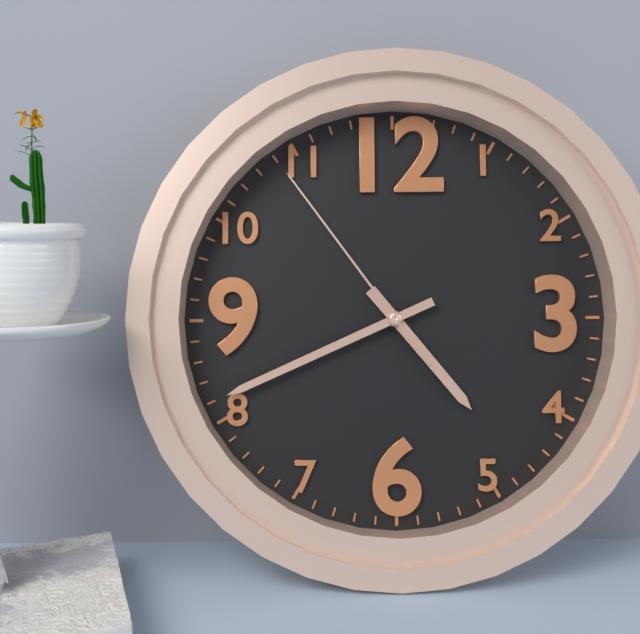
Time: **4:41:54**
